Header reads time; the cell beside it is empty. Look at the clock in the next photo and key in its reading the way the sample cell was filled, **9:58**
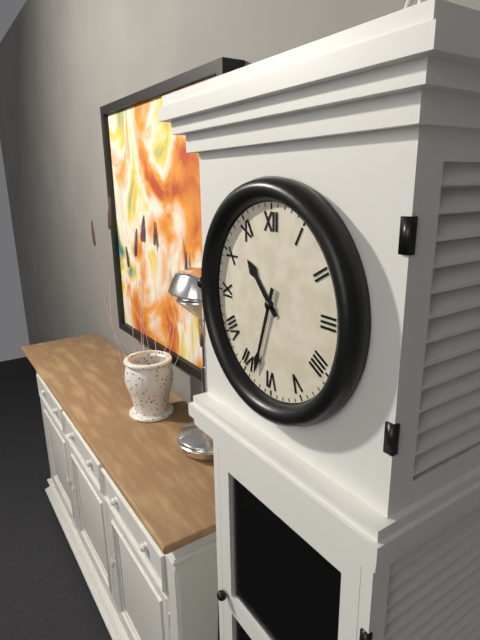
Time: **10:33**
